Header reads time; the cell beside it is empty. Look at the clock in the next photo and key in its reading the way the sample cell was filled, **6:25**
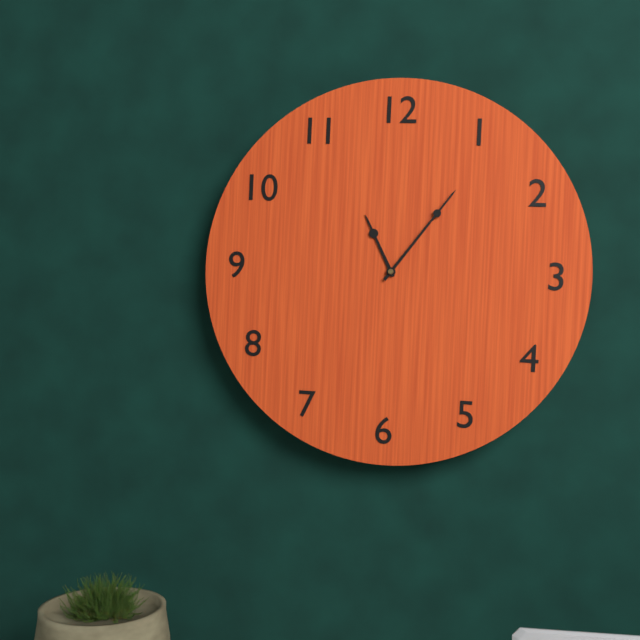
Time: **11:06**
